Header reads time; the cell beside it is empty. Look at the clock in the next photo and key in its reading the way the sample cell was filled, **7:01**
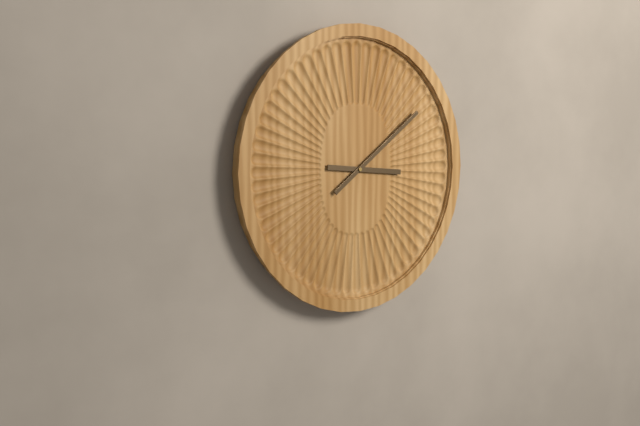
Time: **3:09**
